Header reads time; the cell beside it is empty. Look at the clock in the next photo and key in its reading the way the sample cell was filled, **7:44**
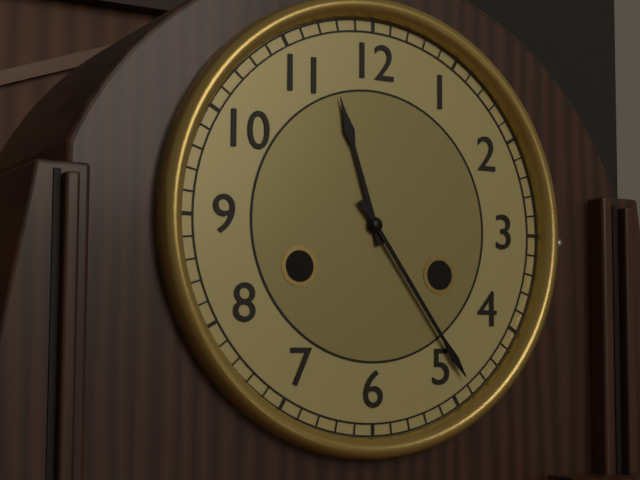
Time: **11:24**
